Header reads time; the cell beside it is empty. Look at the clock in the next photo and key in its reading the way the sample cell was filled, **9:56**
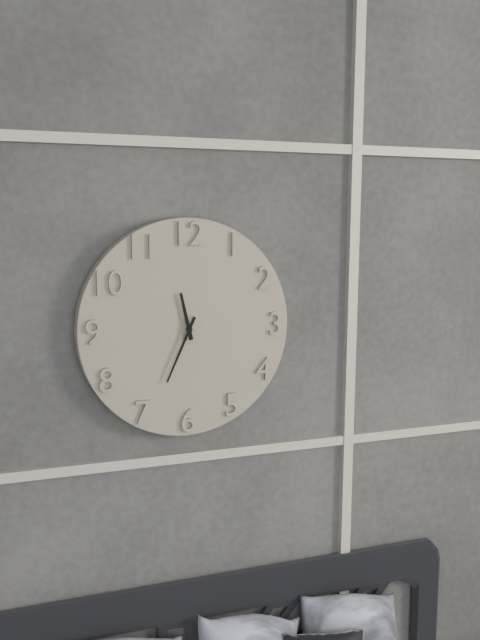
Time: **11:34**
